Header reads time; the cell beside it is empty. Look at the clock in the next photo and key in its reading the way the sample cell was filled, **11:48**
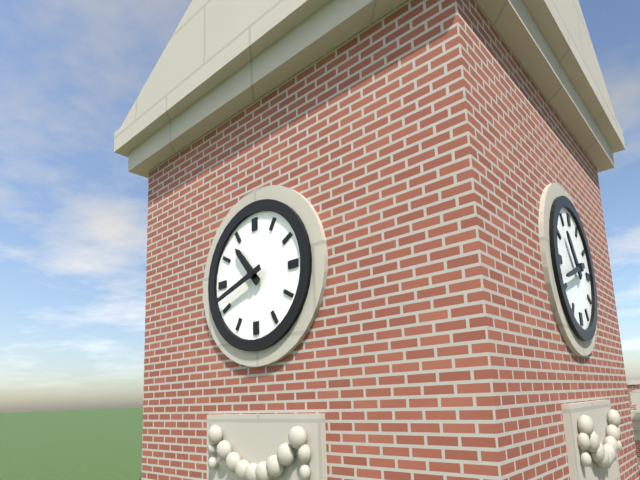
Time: **10:42**
